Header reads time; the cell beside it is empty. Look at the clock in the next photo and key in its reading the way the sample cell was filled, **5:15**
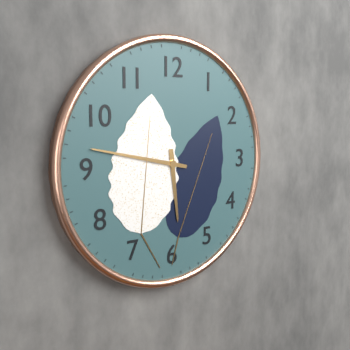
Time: **5:47**
